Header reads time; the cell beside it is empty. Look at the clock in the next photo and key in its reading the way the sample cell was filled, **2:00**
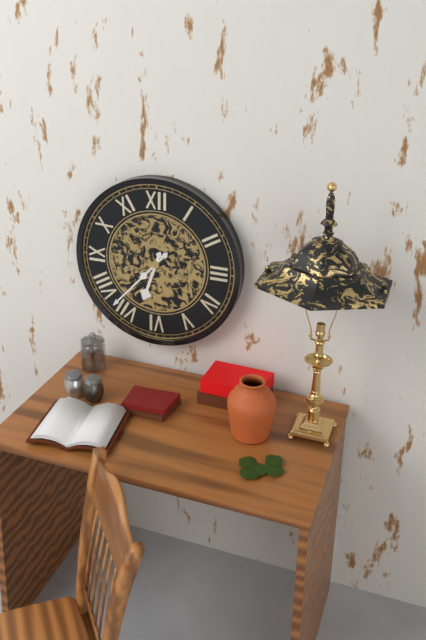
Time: **6:37**
